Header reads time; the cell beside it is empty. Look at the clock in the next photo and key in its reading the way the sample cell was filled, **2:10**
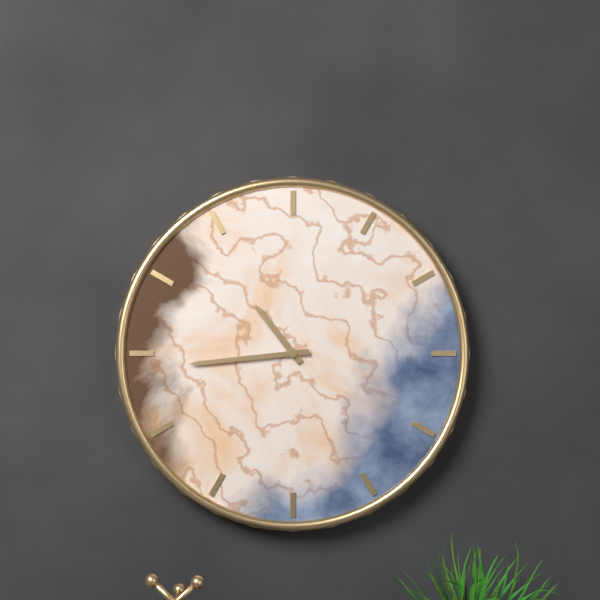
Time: **10:44**
